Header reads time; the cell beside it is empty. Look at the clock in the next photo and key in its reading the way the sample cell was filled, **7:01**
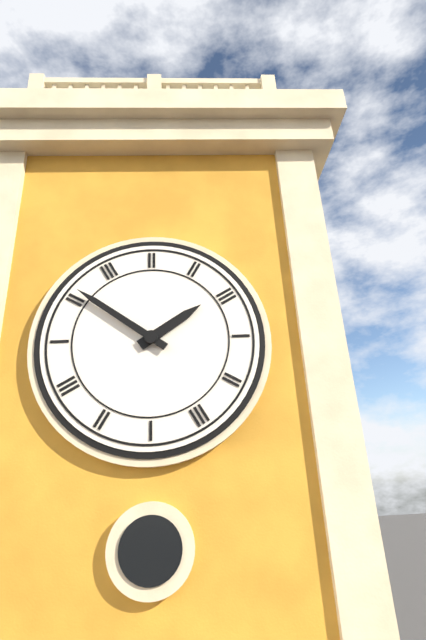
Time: **1:51**
